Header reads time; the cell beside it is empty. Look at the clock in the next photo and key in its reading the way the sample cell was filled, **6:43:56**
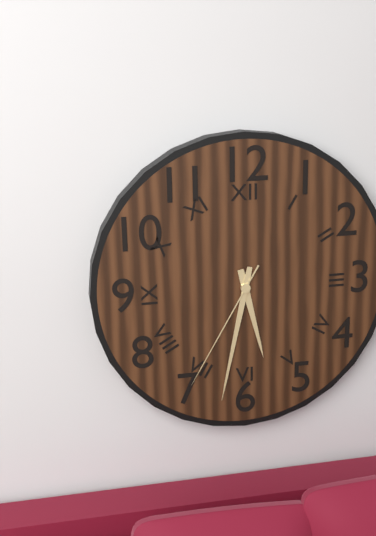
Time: **5:32:35**
